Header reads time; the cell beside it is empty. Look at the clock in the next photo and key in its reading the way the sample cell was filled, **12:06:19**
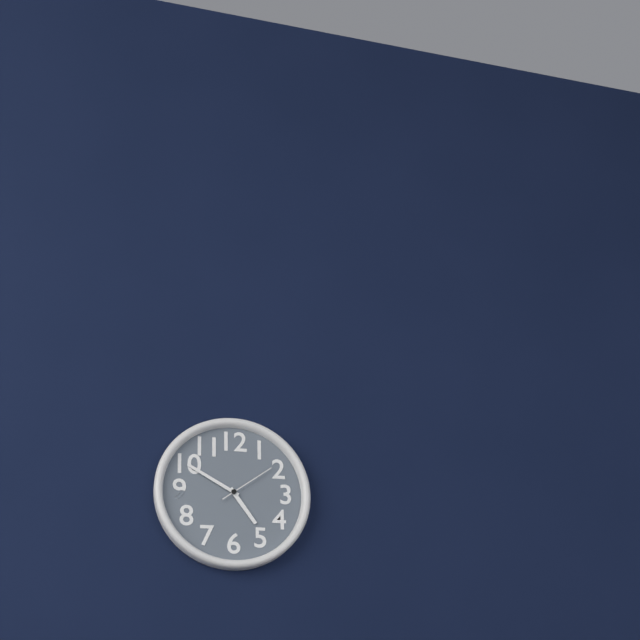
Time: **4:50:09**
